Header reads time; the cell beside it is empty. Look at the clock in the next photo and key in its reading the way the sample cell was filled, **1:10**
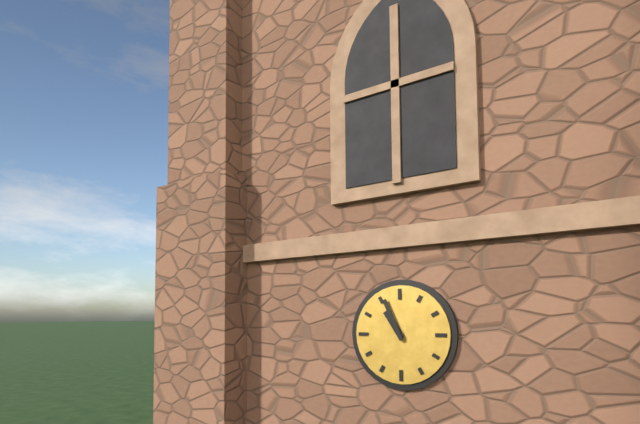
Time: **10:56**
